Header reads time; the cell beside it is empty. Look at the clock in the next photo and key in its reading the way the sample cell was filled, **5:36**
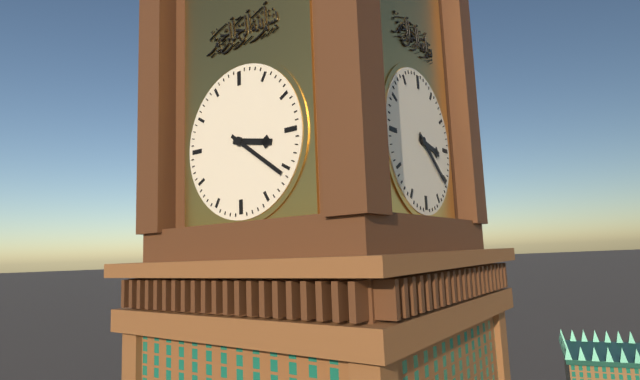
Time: **3:21**
